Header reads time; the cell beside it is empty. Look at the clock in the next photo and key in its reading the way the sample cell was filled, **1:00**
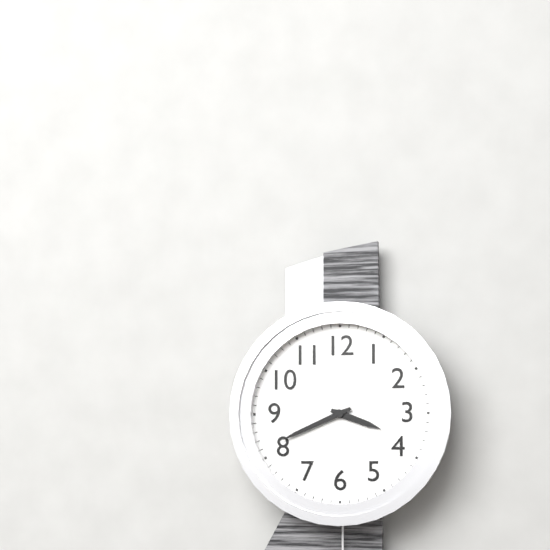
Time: **3:41**
